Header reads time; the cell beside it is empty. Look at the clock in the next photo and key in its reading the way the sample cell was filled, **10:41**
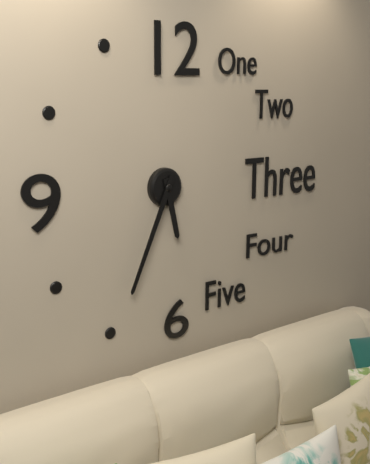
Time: **5:34**
